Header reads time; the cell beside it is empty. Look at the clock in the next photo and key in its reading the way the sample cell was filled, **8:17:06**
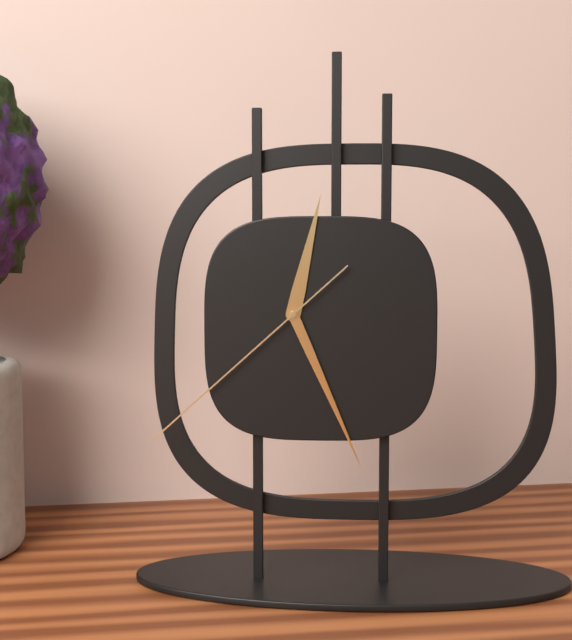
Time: **12:26:38**
